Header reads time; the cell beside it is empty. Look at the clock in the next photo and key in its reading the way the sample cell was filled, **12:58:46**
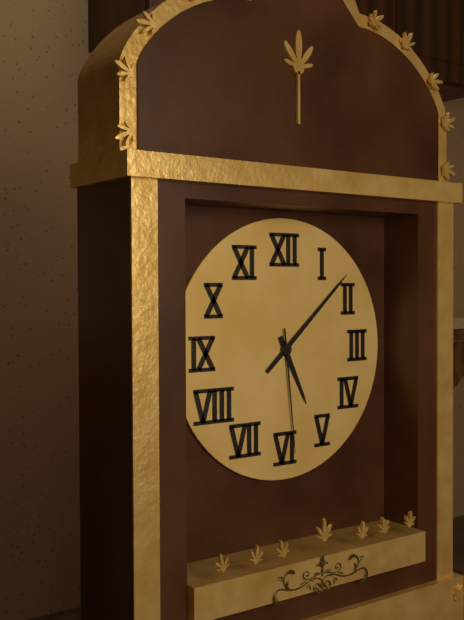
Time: **5:08:29**
